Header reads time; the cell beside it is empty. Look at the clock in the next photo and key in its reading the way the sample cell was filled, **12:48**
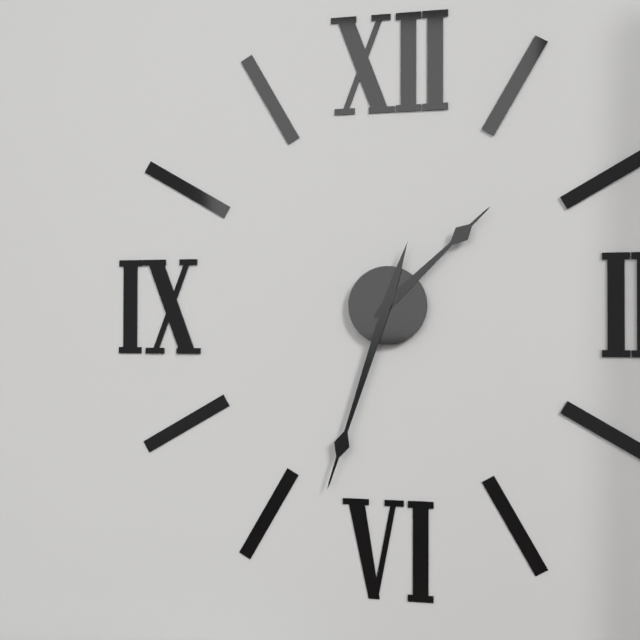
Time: **1:33**
